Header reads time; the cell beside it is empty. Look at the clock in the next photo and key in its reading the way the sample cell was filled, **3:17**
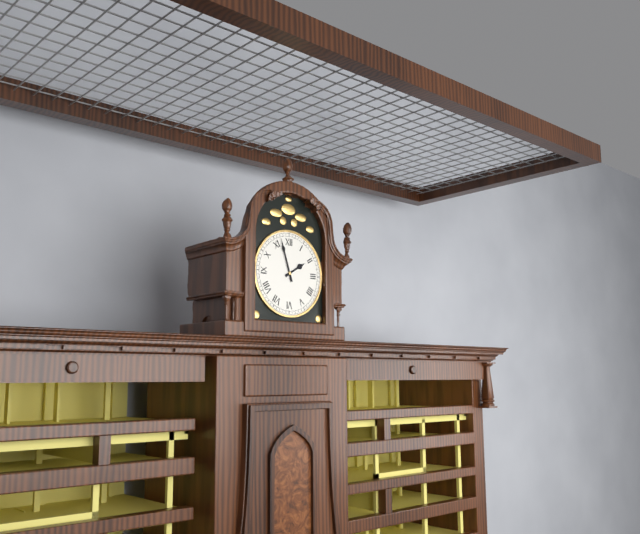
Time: **1:57**
